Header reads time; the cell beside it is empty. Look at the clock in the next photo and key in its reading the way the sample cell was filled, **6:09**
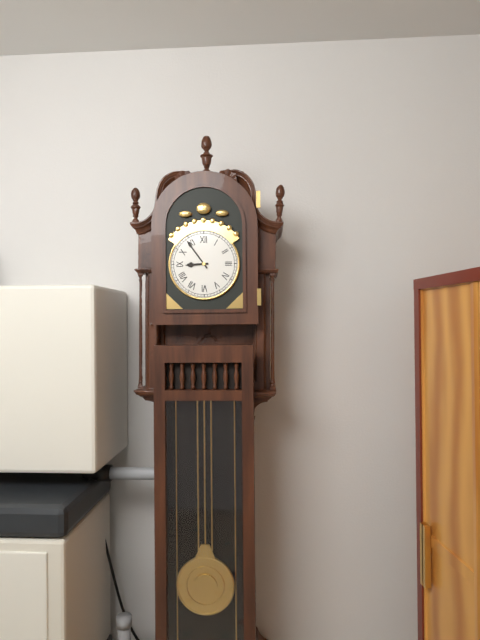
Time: **8:54**
